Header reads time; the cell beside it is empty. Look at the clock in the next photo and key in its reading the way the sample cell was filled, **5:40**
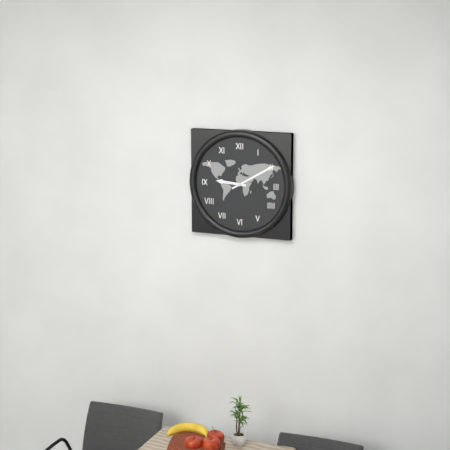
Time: **9:10**
